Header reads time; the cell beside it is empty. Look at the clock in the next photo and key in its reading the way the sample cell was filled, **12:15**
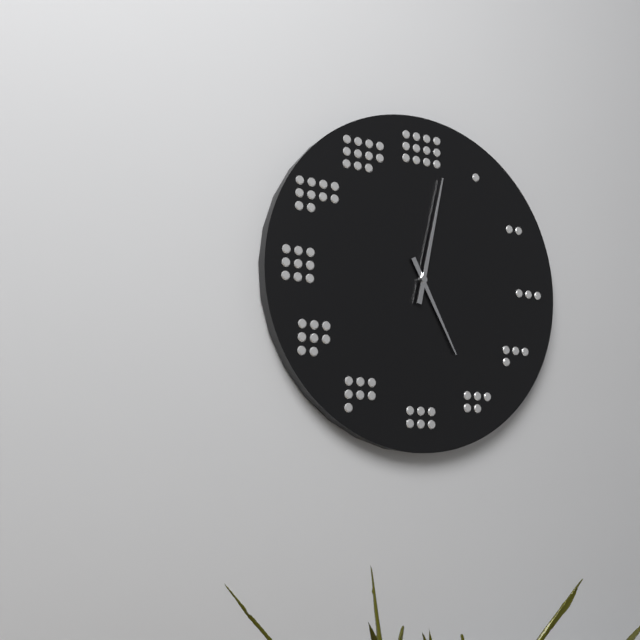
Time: **5:02**
